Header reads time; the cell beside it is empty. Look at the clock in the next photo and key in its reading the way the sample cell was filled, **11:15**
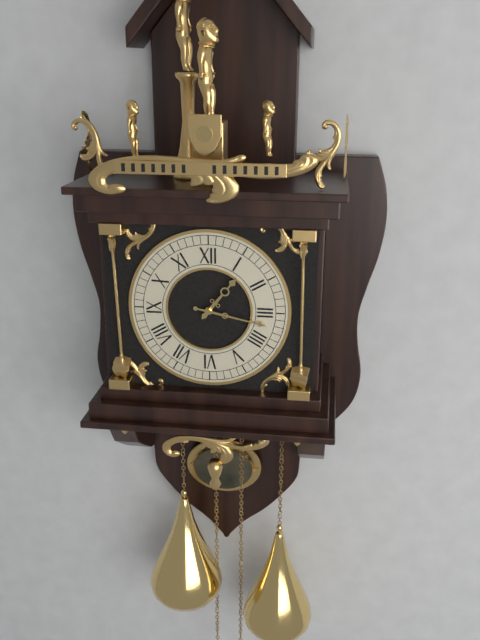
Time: **1:17**
